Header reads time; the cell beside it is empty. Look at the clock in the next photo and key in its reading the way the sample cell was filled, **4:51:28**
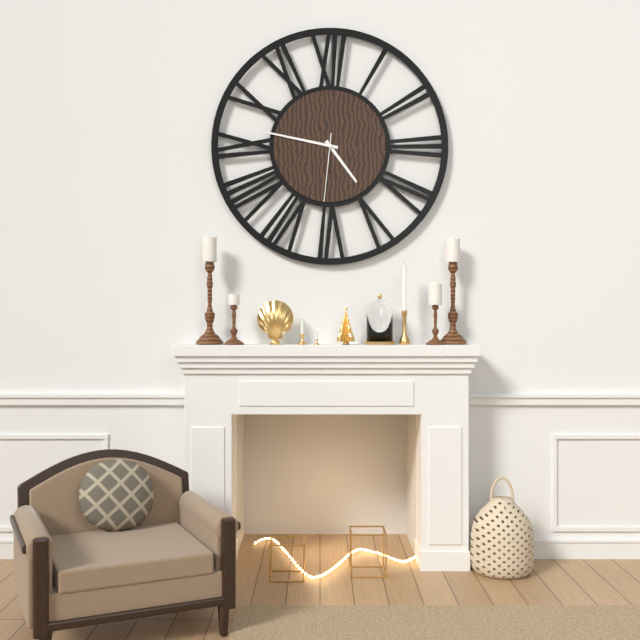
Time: **4:47:31**
